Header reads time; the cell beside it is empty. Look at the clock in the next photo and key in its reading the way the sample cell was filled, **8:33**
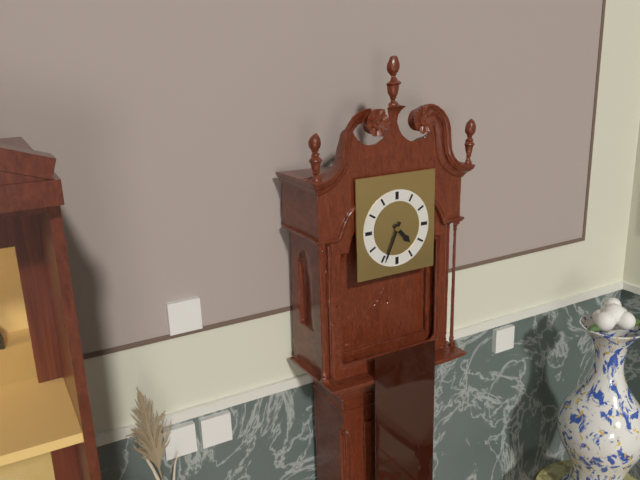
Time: **4:34**
